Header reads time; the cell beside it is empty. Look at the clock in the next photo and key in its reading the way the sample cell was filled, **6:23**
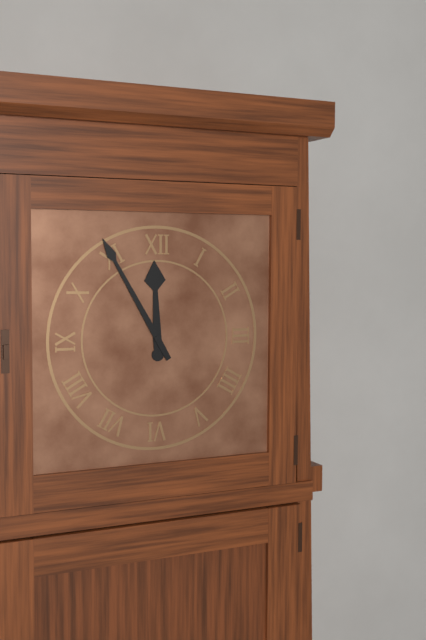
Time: **11:55**
